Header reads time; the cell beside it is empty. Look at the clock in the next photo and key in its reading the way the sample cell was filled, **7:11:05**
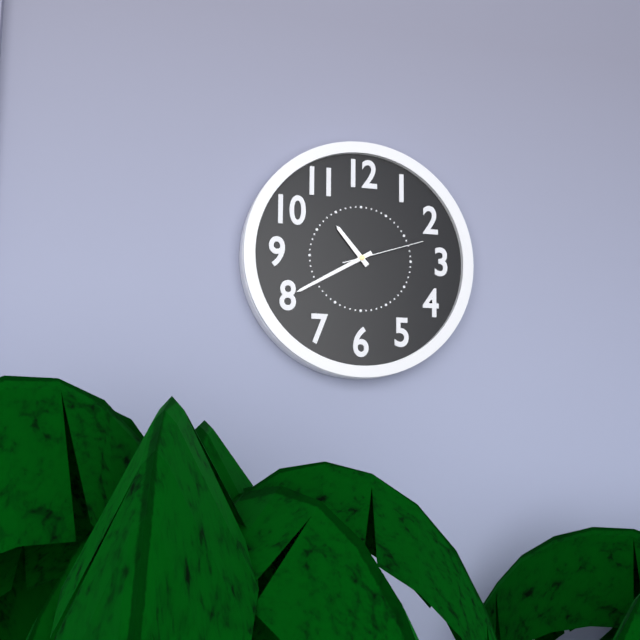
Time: **10:40:12**
